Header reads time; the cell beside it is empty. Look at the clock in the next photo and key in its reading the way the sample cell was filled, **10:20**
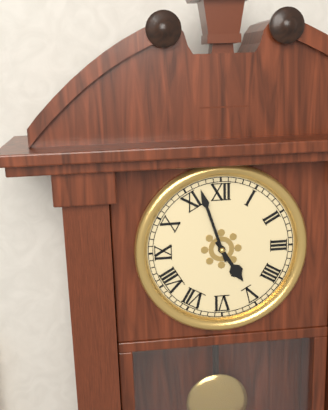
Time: **4:57**
